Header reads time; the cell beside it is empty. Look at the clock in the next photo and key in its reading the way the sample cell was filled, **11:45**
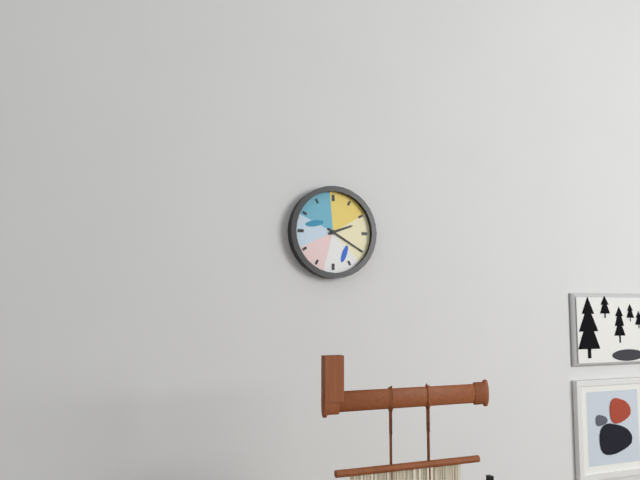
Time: **2:20**
